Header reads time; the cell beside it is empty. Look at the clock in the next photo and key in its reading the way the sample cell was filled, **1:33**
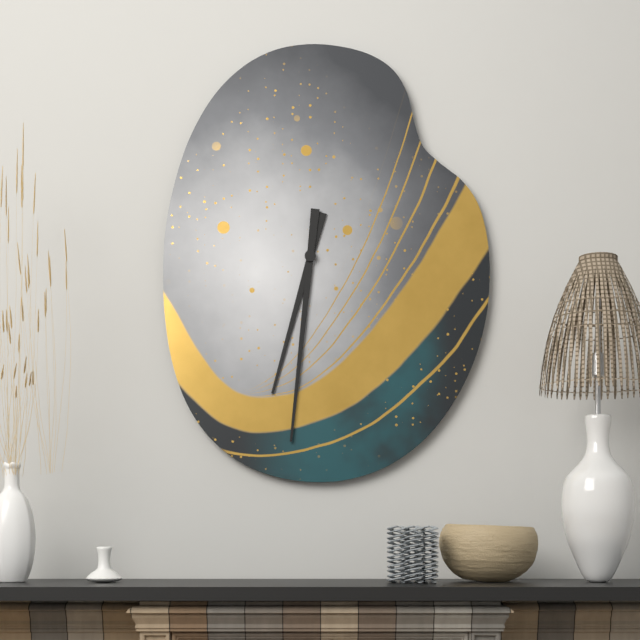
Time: **6:31**
